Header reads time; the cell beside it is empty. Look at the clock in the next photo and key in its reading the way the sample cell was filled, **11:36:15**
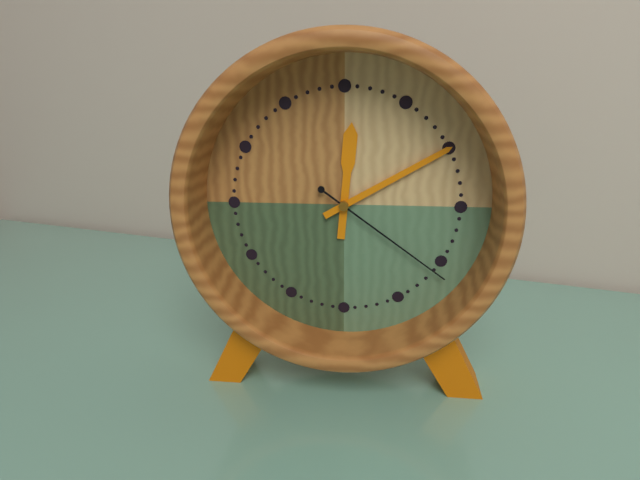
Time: **12:10:21**
